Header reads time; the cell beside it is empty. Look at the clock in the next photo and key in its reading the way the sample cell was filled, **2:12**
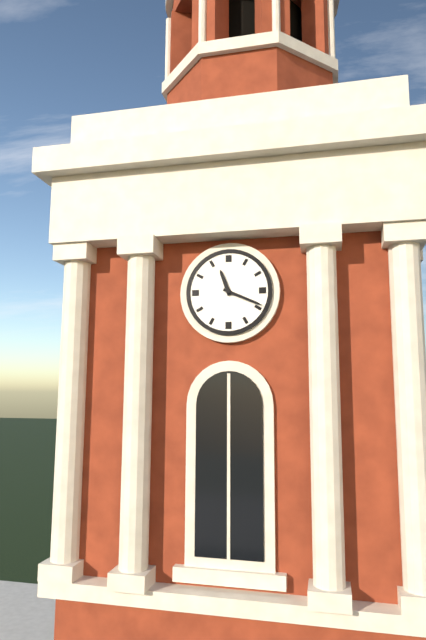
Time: **11:19**
